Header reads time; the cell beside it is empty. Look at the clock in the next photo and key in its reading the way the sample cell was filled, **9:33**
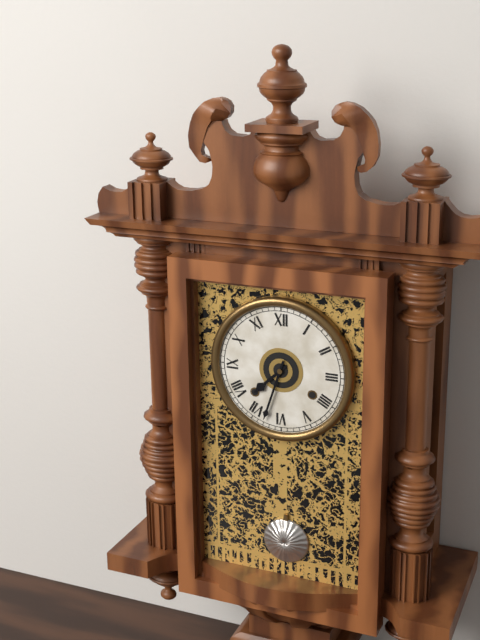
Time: **7:33**
